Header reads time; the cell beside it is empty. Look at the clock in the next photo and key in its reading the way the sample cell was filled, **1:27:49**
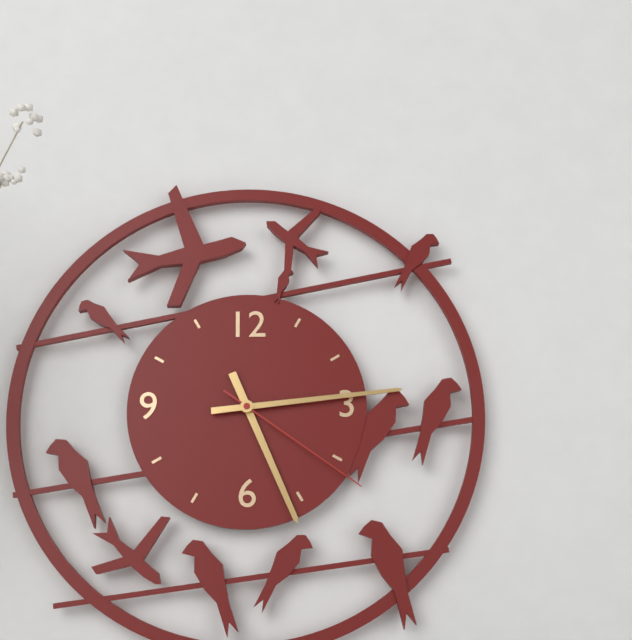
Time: **5:14:21**
